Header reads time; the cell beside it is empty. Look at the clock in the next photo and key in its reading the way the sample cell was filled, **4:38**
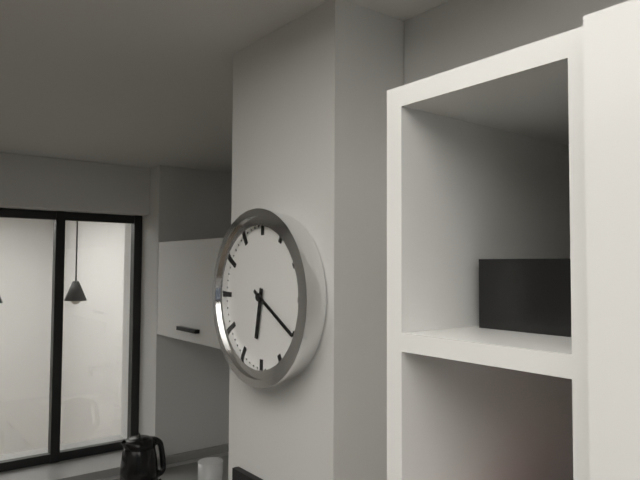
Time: **6:20**
